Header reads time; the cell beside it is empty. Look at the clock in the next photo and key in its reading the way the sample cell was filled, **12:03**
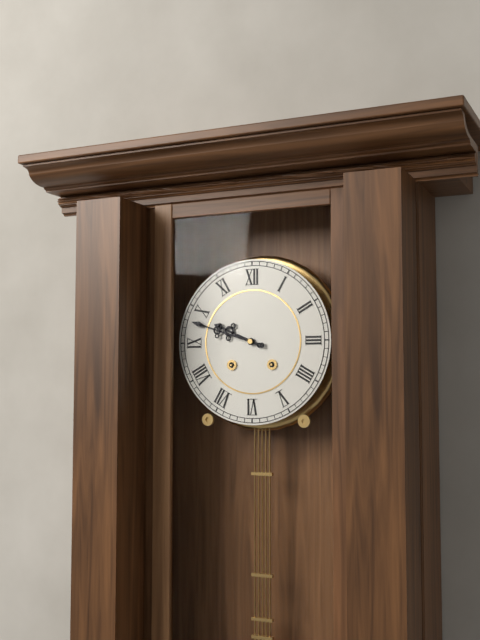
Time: **9:48**
